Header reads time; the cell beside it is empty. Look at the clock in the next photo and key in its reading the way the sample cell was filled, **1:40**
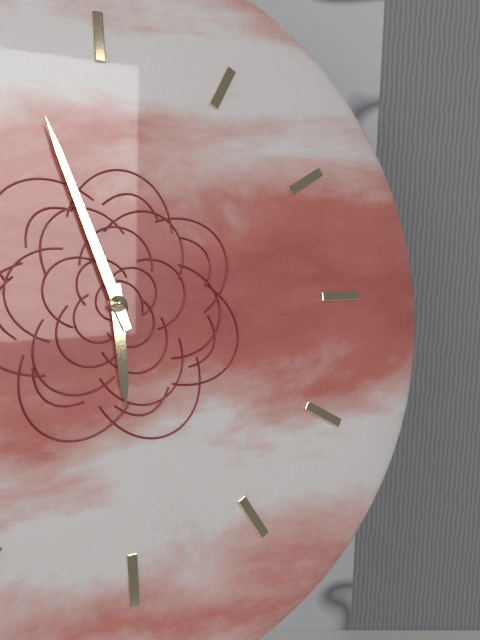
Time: **5:57**
